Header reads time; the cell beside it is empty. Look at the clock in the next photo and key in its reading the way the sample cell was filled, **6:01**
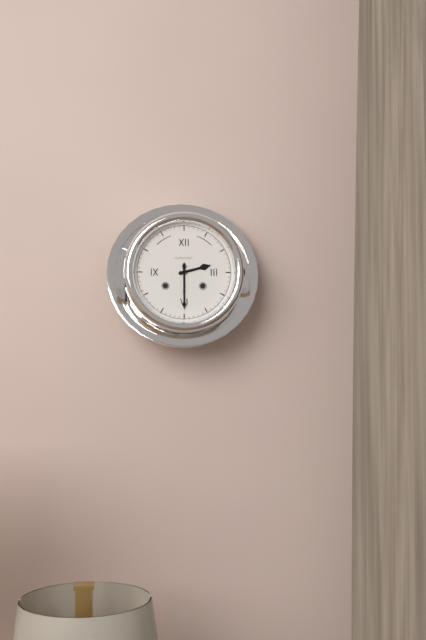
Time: **2:30**
